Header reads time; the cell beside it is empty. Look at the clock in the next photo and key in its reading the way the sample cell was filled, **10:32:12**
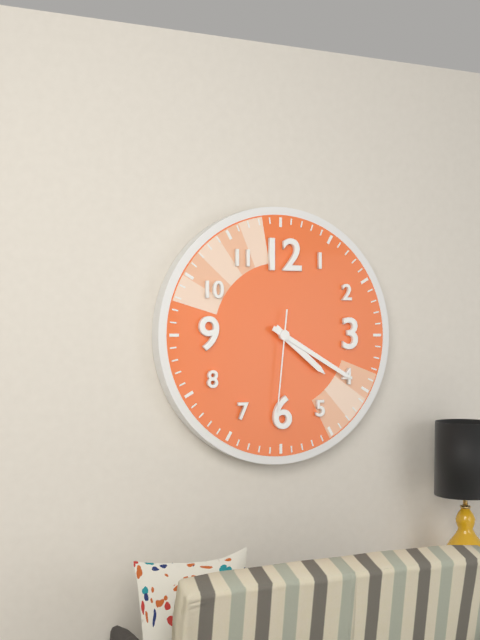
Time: **4:20:31**
